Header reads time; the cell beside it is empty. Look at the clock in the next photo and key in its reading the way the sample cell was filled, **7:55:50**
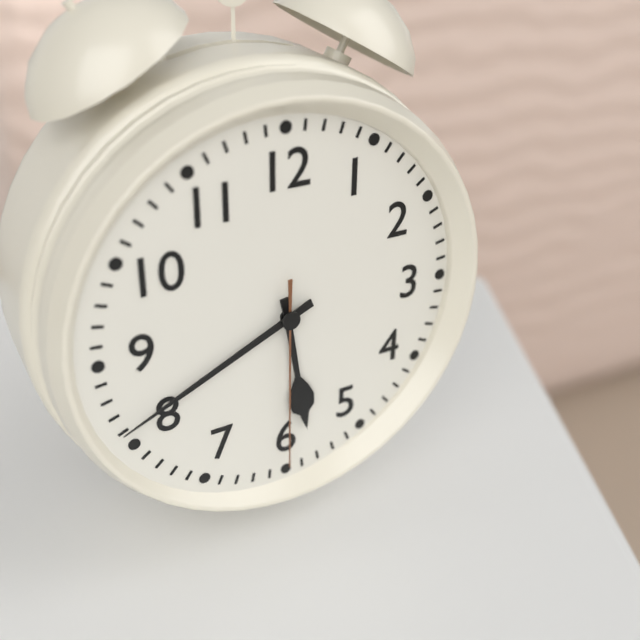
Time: **5:41:30**
